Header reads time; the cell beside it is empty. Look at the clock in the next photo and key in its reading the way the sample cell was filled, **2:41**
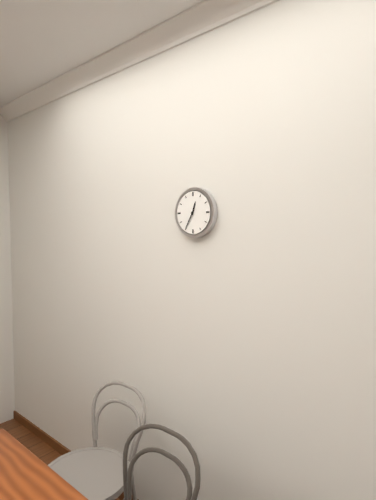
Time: **12:35**
